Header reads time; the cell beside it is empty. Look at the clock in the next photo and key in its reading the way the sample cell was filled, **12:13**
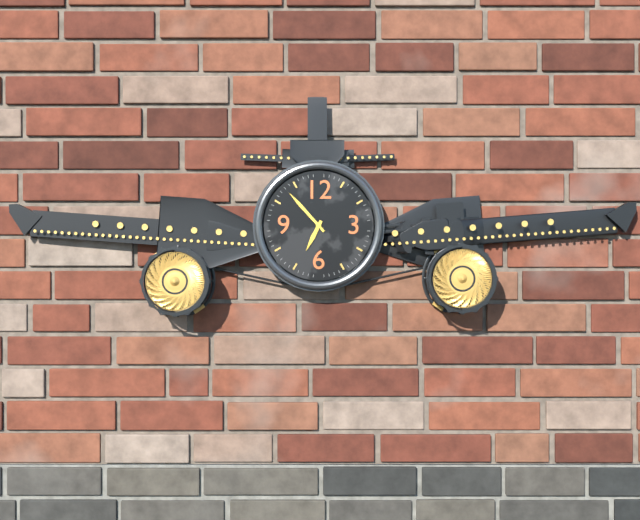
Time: **6:53**
